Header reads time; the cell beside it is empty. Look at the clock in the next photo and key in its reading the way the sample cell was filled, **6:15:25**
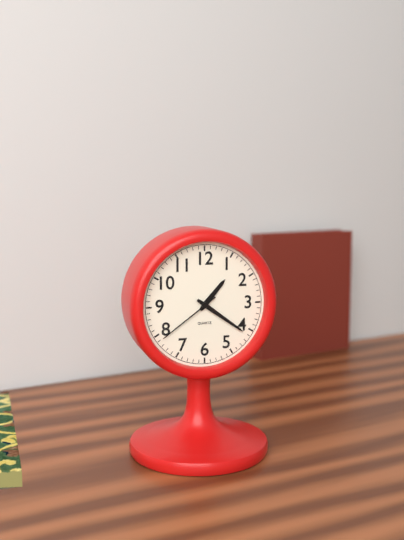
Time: **1:21:39**
